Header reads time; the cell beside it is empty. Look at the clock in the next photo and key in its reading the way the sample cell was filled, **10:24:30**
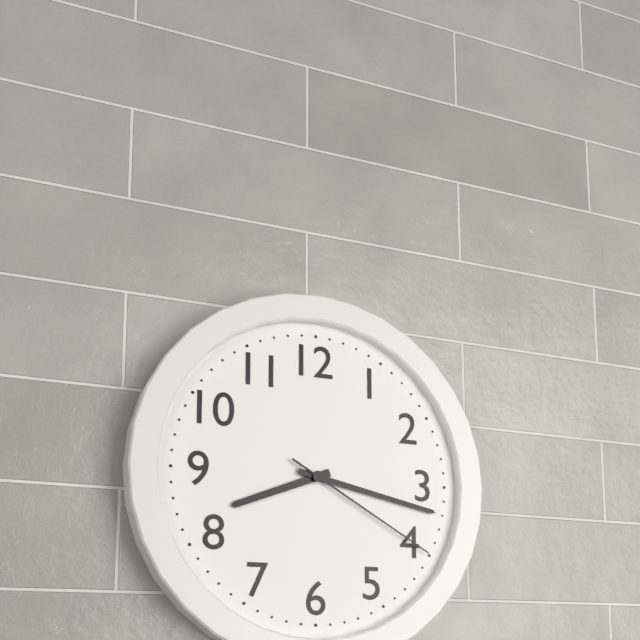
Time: **8:17:20**
